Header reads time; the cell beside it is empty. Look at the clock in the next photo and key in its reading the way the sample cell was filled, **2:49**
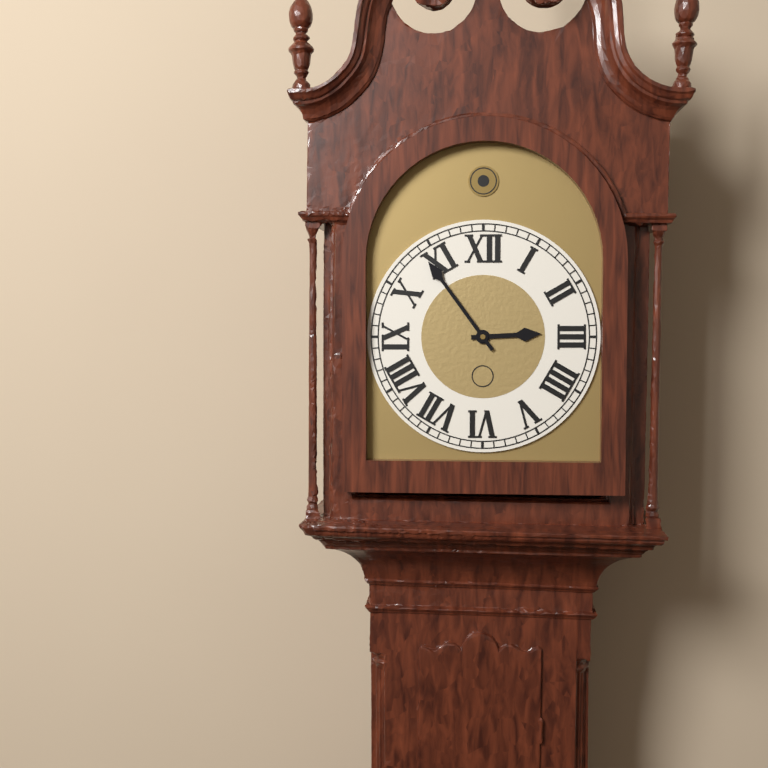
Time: **2:54**
